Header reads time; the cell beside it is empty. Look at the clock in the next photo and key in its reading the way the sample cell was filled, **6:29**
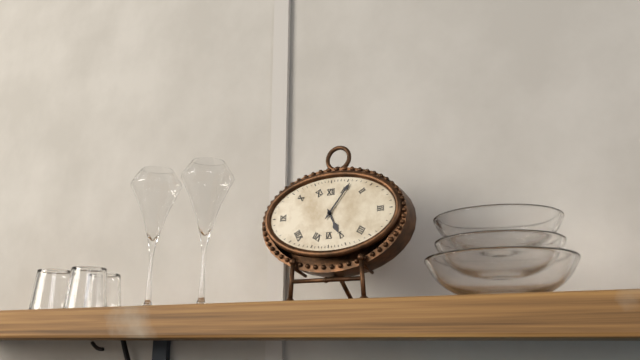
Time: **5:06**
